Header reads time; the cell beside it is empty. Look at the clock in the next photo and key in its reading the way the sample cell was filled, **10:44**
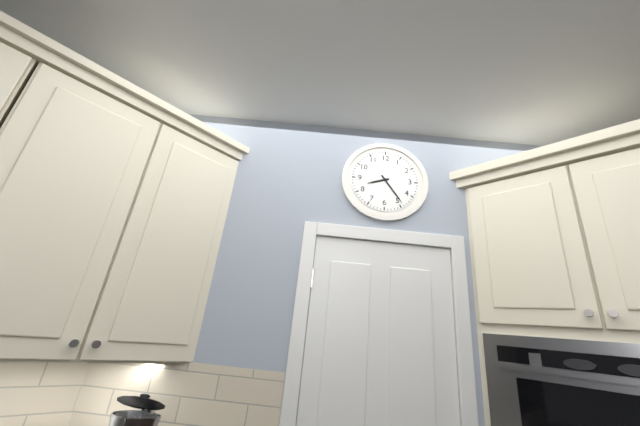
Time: **8:24**
